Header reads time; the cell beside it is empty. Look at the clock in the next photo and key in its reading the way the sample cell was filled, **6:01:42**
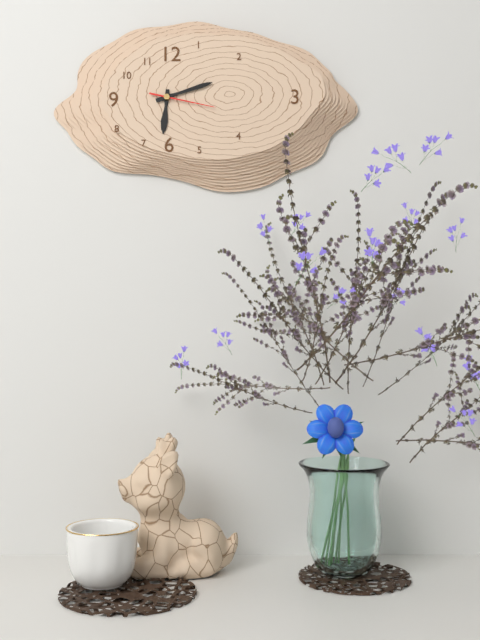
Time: **6:12:17**
